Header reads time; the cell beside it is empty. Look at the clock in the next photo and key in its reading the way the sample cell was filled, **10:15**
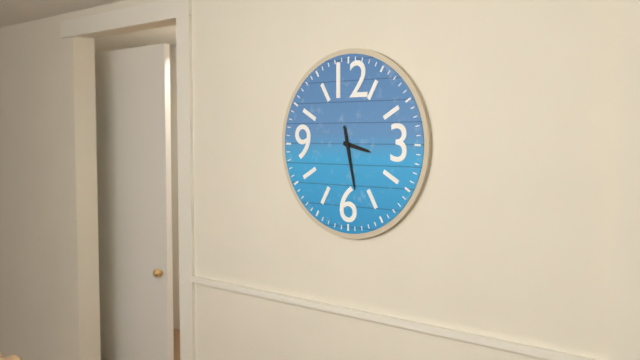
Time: **3:28**
